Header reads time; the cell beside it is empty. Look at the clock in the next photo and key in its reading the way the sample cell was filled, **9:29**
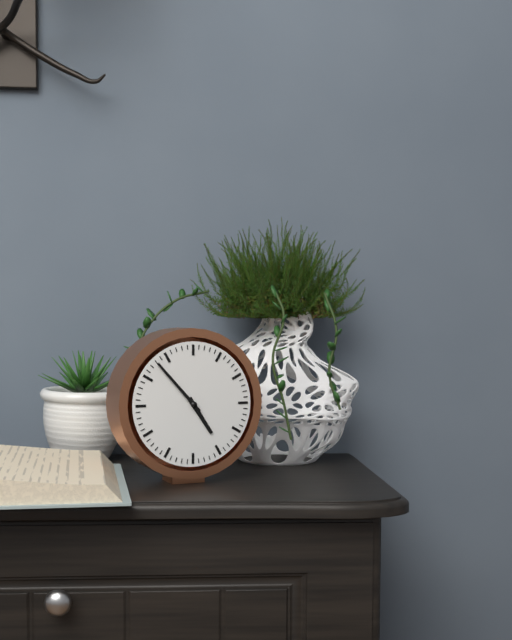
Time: **4:53**
